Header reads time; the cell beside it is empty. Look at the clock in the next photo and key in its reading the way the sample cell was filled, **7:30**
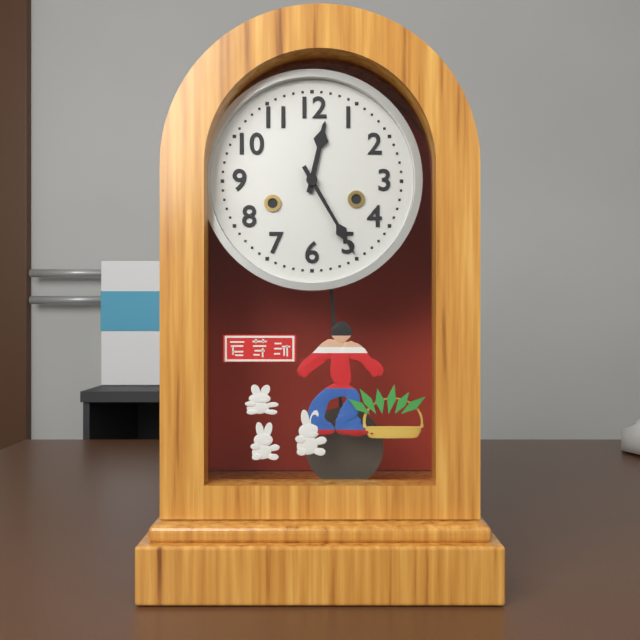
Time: **12:25**
